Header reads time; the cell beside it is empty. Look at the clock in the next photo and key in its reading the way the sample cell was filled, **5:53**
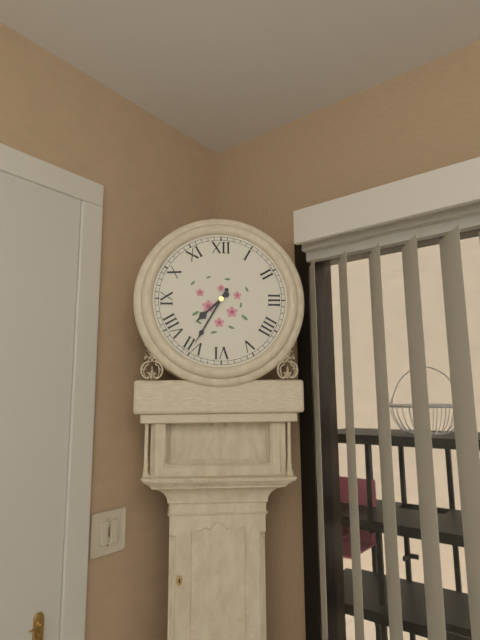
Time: **7:35**
